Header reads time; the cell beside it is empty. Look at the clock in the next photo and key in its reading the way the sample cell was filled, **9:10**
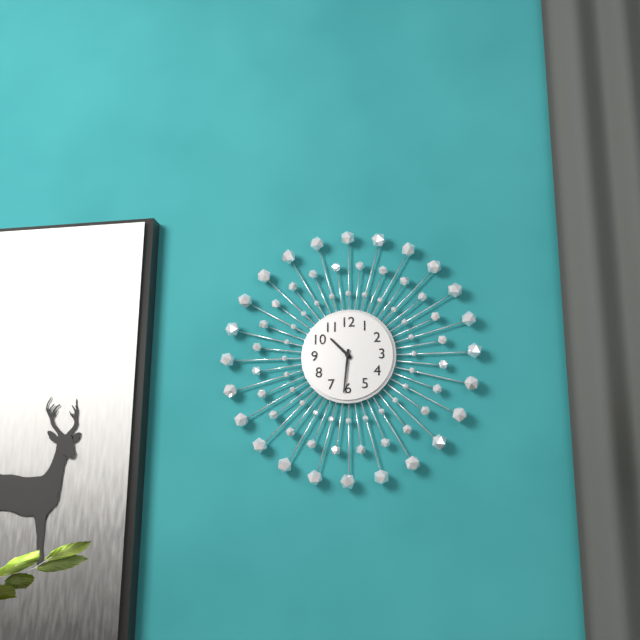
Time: **10:31**
